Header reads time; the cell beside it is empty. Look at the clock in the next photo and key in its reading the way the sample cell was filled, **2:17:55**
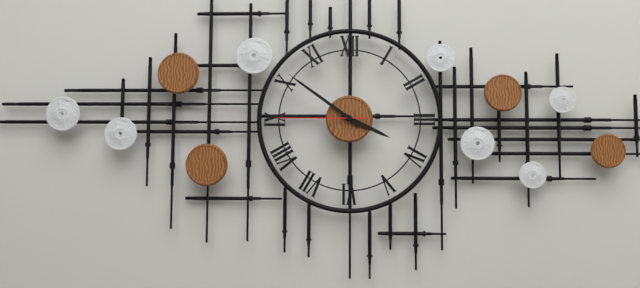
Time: **3:51:45**
